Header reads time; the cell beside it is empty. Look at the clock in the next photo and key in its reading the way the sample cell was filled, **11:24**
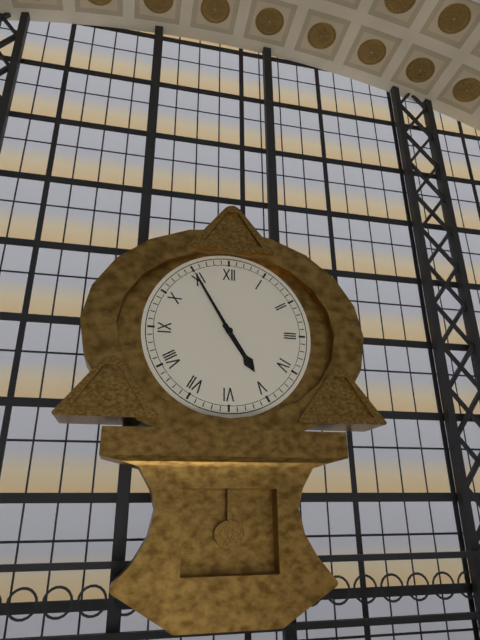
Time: **4:55**
